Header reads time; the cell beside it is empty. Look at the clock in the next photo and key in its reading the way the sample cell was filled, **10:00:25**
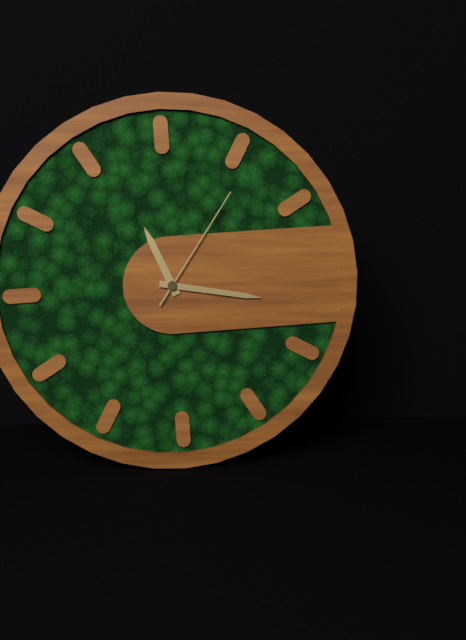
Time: **11:17:06**
